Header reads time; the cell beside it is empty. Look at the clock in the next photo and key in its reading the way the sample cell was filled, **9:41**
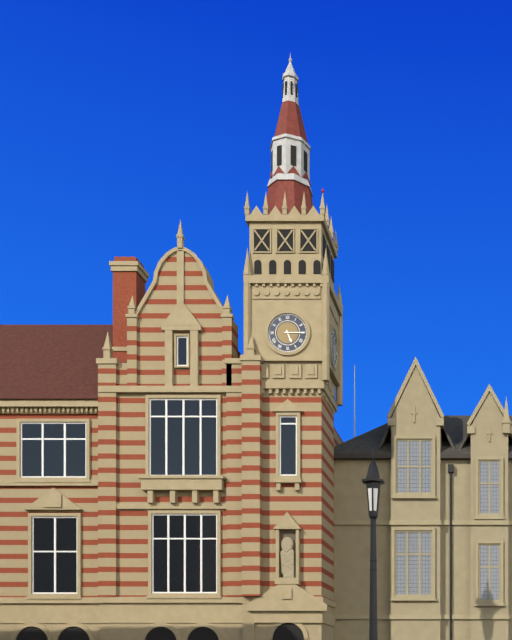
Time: **5:15**
